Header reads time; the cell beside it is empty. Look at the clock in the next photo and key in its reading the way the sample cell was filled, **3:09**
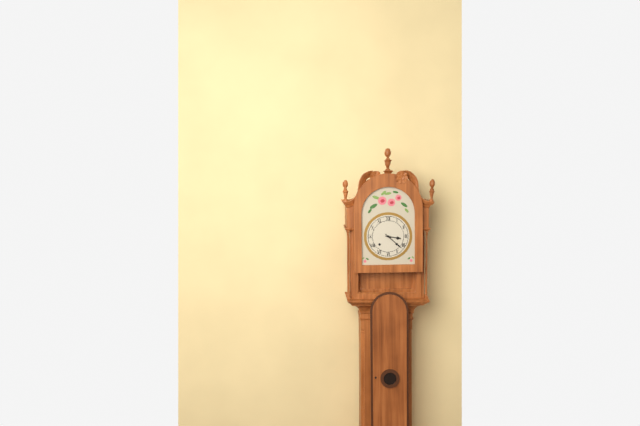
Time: **3:22**
